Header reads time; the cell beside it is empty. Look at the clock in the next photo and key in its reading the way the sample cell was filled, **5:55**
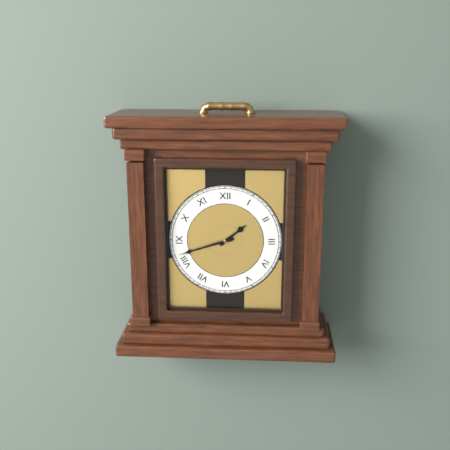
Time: **1:42**
